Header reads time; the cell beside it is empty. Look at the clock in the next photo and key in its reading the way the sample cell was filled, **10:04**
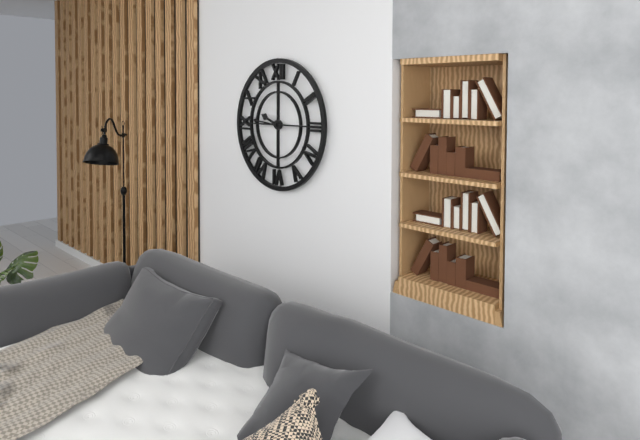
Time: **9:46**
